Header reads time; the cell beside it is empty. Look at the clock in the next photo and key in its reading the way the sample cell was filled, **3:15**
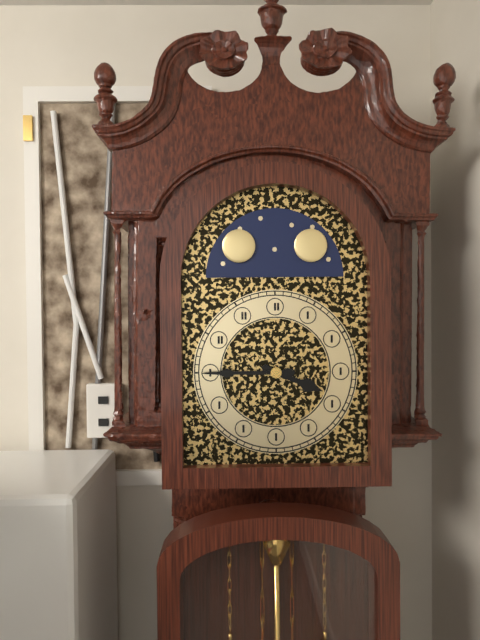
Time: **3:45**
